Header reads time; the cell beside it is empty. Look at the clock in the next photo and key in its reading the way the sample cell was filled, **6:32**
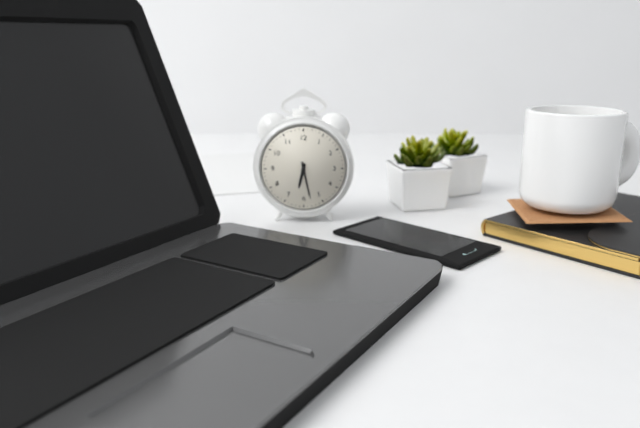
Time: **6:28**
